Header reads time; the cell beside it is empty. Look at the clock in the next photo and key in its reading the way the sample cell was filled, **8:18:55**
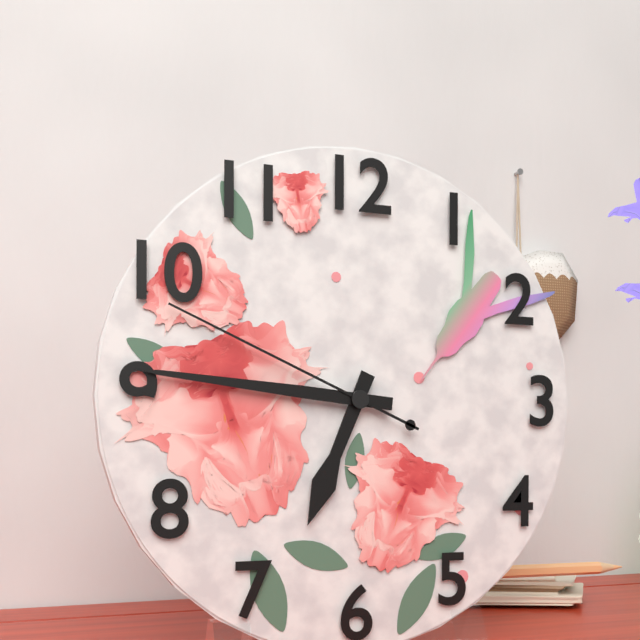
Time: **6:46:49**
